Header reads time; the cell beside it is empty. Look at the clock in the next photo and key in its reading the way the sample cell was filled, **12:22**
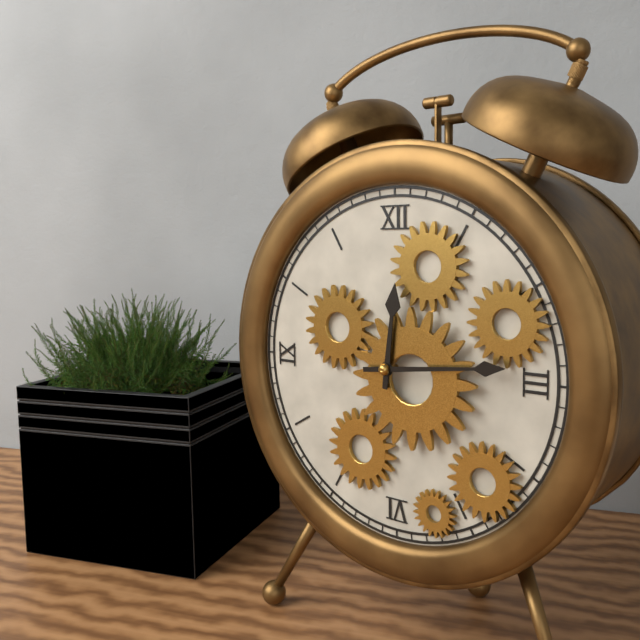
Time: **12:14**
